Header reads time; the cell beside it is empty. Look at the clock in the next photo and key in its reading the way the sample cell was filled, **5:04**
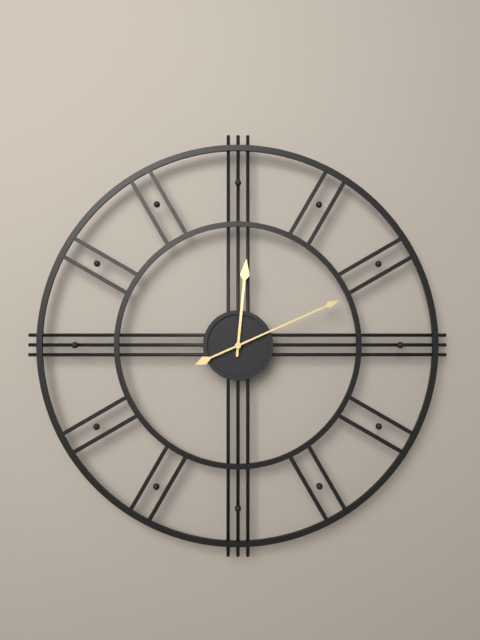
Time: **12:11**
